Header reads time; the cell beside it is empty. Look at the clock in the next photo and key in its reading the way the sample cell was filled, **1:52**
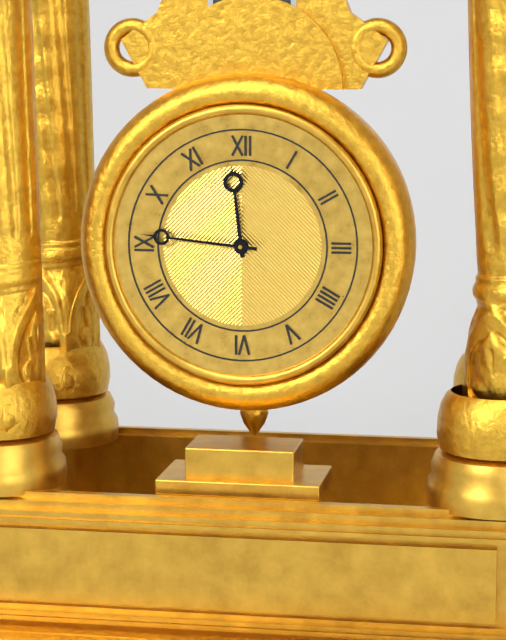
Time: **11:46**
